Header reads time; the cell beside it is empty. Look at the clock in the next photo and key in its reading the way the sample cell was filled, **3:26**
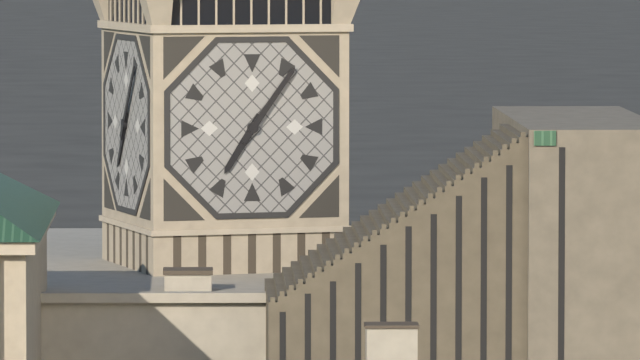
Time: **7:06**
